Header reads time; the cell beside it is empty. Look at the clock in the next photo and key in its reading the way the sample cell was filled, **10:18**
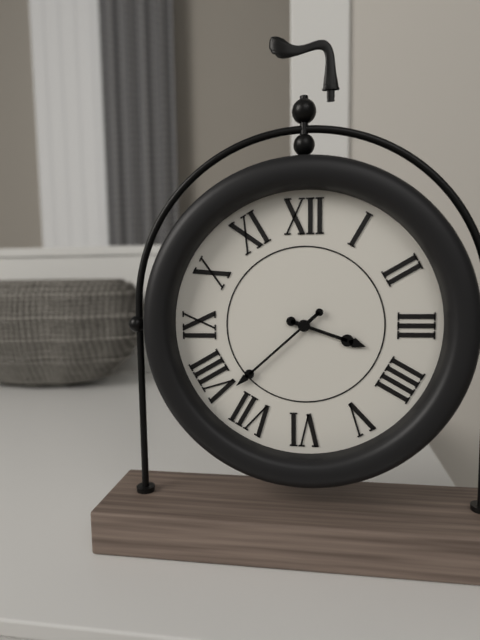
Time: **3:38**
